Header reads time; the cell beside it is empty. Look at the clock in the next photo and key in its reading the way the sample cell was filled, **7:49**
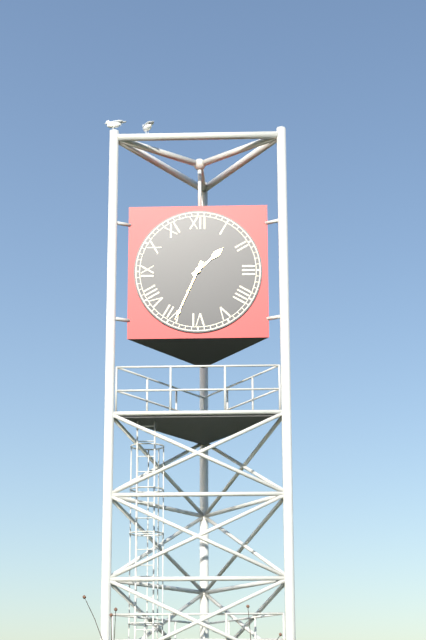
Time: **1:34**
